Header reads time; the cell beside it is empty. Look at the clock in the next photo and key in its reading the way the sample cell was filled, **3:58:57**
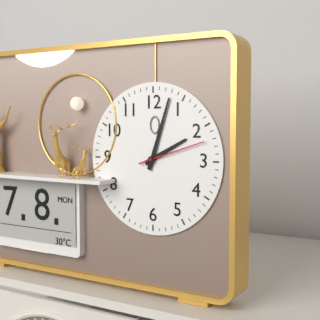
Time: **2:03:12**
